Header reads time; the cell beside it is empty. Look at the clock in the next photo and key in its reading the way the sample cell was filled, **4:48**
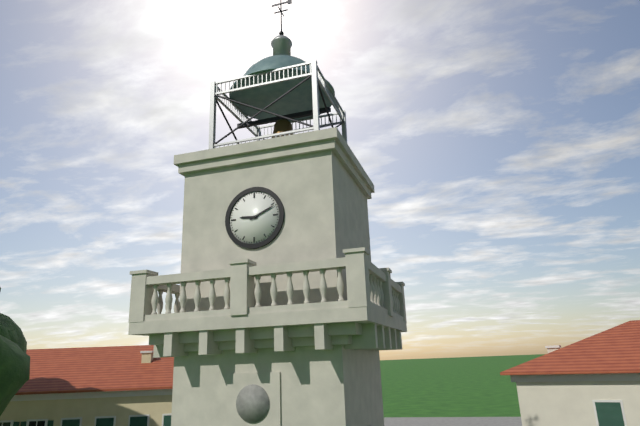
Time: **9:11**
